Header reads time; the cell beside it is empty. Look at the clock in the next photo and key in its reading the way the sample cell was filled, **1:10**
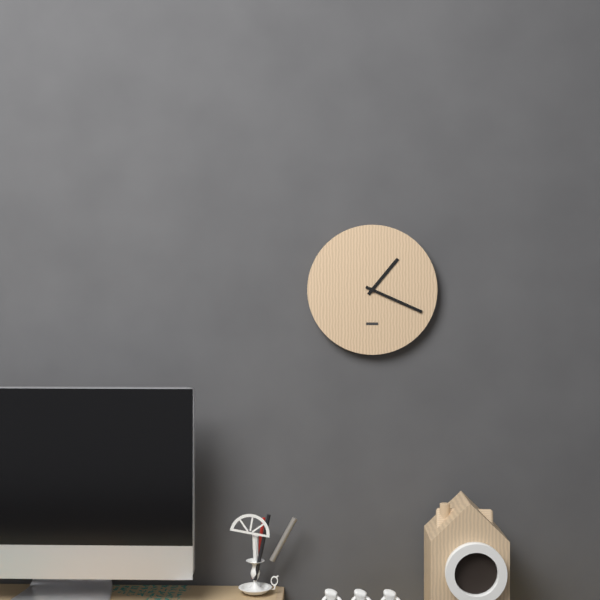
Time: **1:19**
